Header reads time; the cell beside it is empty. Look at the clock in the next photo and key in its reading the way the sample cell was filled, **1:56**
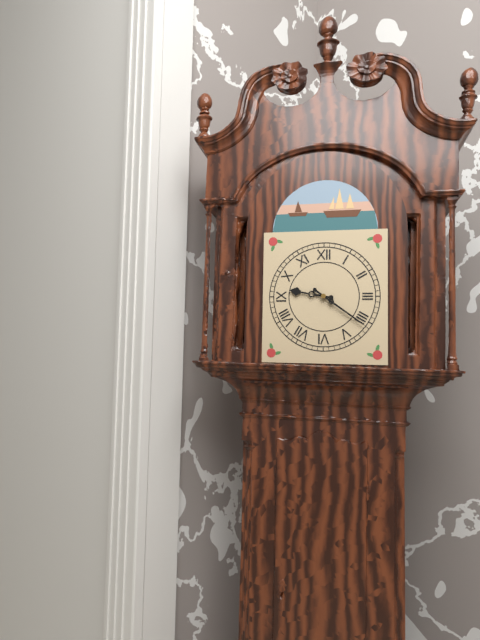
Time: **9:21**
